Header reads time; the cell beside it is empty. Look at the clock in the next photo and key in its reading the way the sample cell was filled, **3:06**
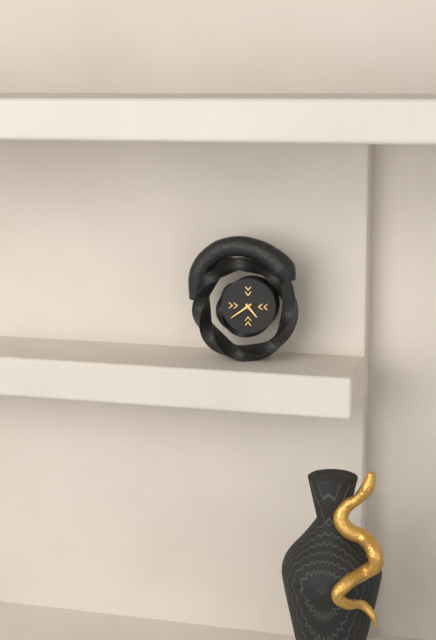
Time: **4:39**
